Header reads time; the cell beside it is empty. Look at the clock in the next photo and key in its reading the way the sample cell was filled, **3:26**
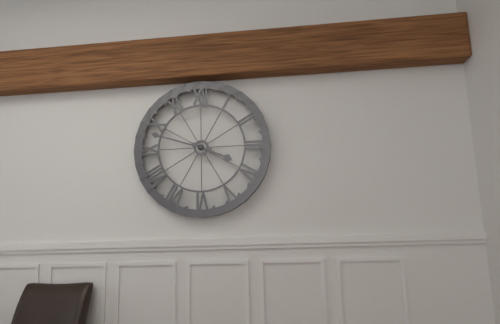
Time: **3:48**
